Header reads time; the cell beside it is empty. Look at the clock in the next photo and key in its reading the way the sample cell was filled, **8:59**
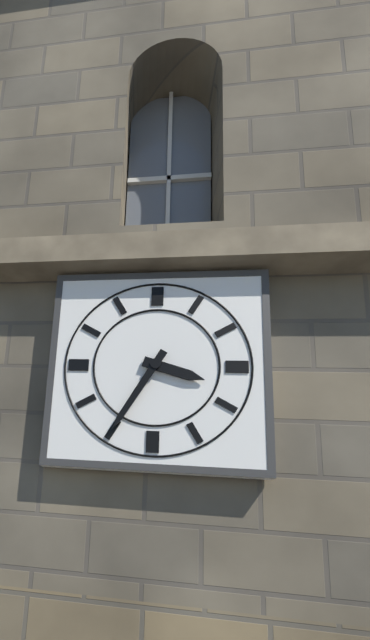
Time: **3:35**
